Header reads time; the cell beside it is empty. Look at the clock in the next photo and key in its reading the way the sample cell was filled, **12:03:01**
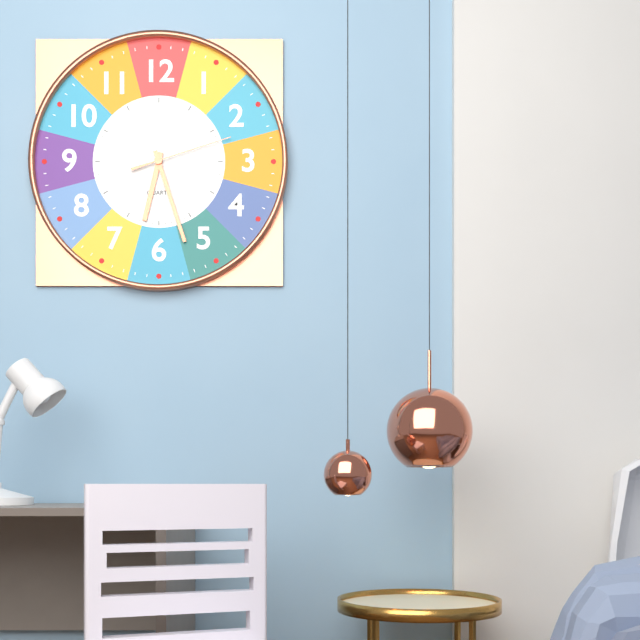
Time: **6:27:12**
